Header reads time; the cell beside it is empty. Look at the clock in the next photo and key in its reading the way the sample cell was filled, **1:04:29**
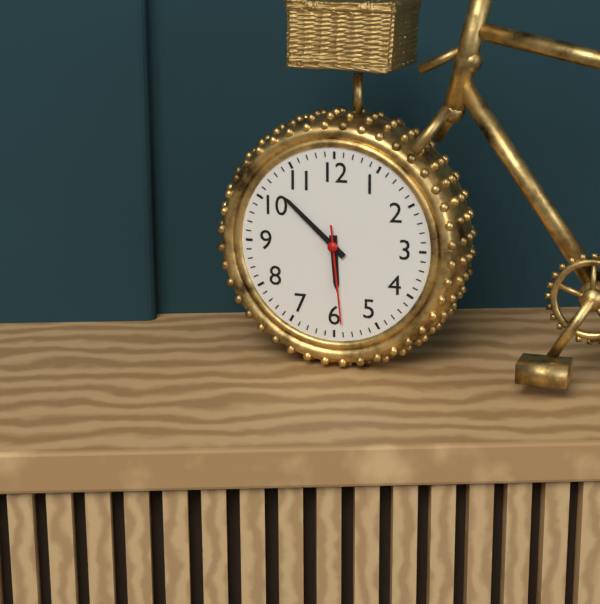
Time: **5:52:29**
